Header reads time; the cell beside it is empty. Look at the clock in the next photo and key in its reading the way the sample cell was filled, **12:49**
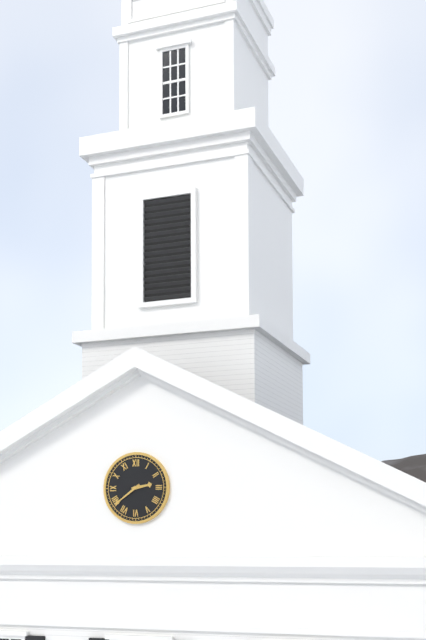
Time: **2:39**
